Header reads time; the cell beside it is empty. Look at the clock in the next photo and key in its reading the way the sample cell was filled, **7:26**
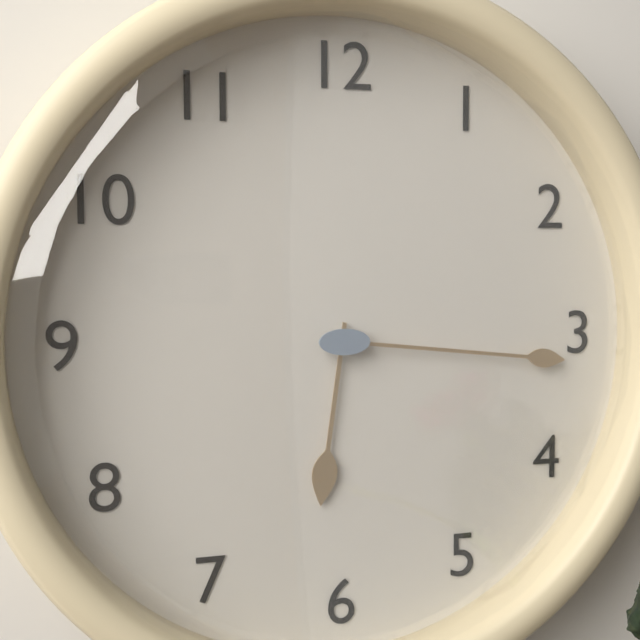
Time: **6:16**
